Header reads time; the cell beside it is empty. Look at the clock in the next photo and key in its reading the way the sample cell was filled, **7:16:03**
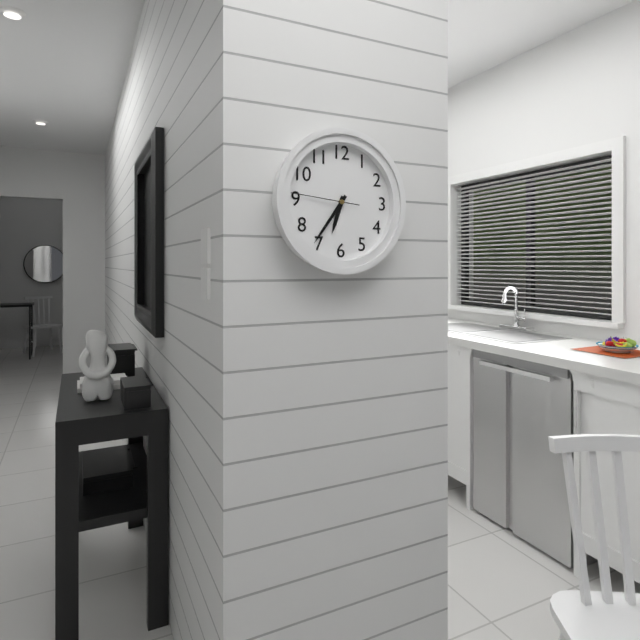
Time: **6:36:46**
